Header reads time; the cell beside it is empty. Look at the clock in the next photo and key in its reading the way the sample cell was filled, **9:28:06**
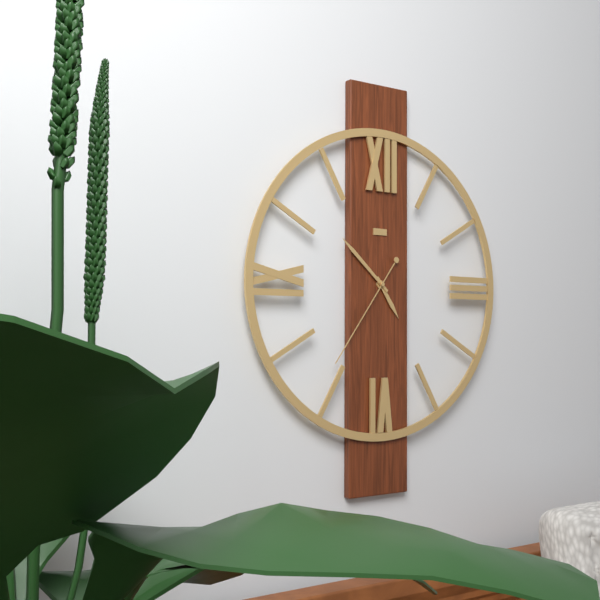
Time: **4:52:36**
